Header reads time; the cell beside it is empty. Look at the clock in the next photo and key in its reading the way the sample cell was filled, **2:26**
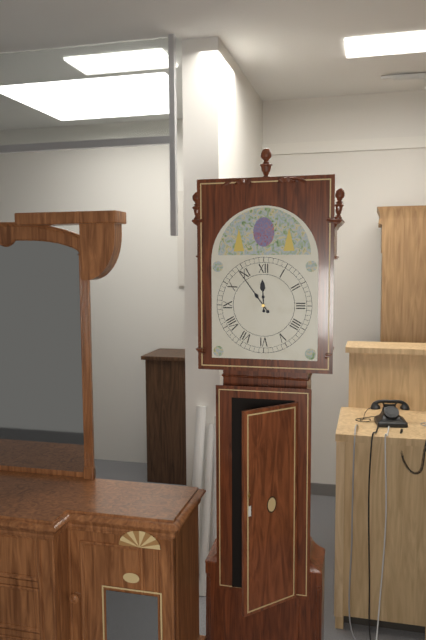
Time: **11:54**
